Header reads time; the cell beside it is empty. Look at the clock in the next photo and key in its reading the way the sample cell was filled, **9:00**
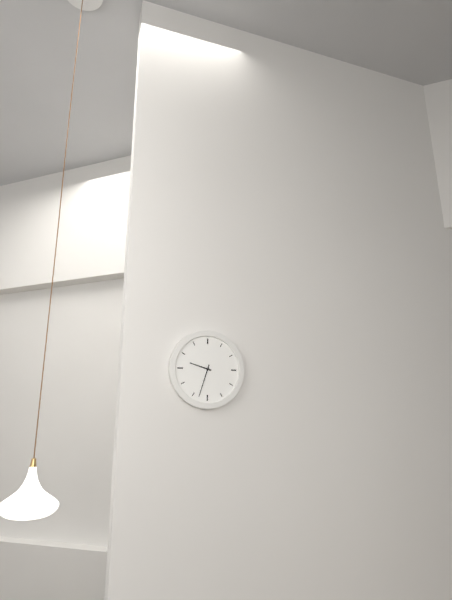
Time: **9:33**
